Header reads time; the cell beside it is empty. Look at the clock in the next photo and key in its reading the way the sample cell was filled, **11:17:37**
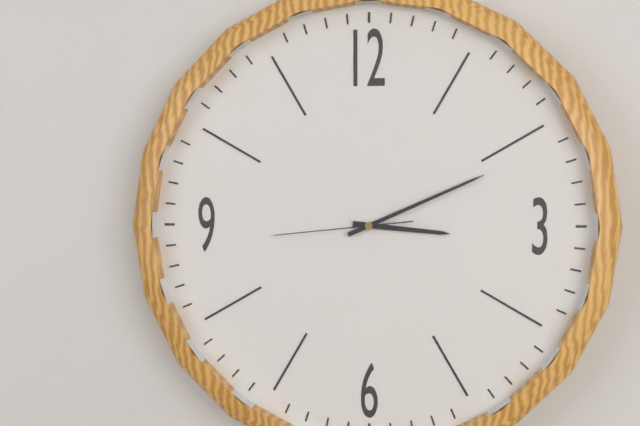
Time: **3:11:44**
